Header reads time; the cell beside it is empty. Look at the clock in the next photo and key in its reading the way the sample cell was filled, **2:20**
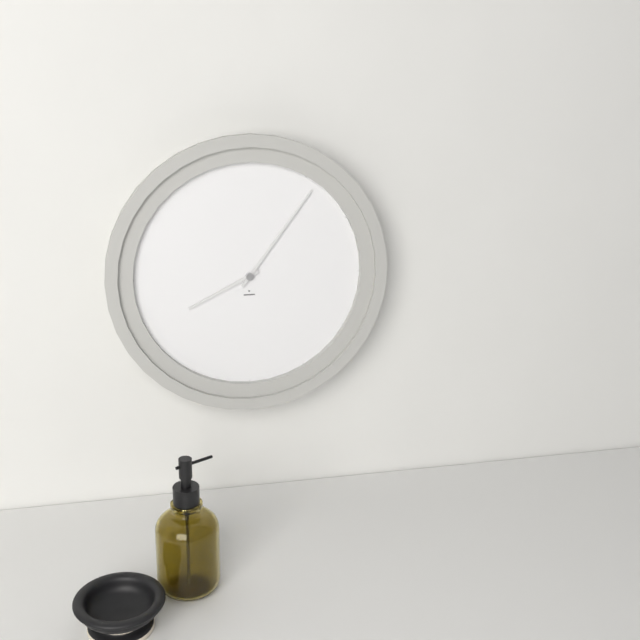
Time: **8:06**
